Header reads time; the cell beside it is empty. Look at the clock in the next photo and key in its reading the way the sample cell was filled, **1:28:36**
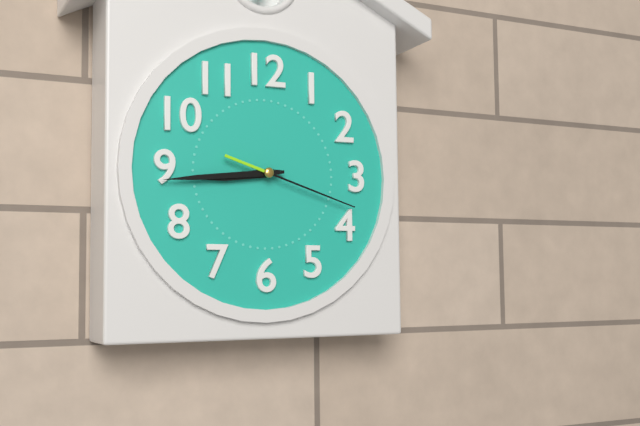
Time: **8:44:18**
